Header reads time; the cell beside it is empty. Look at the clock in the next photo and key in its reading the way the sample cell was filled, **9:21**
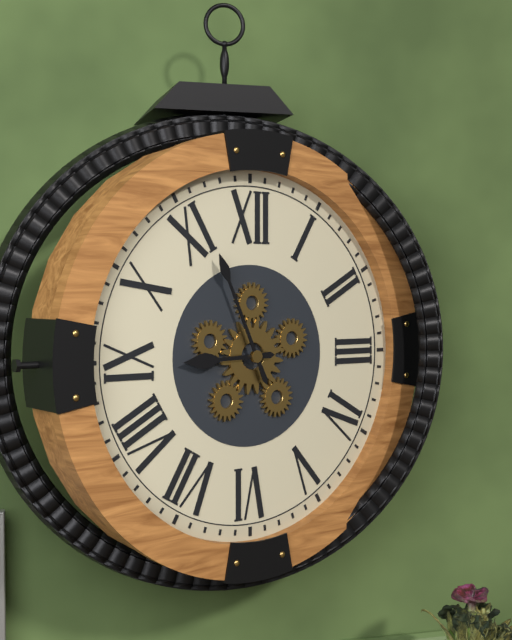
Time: **8:56**
